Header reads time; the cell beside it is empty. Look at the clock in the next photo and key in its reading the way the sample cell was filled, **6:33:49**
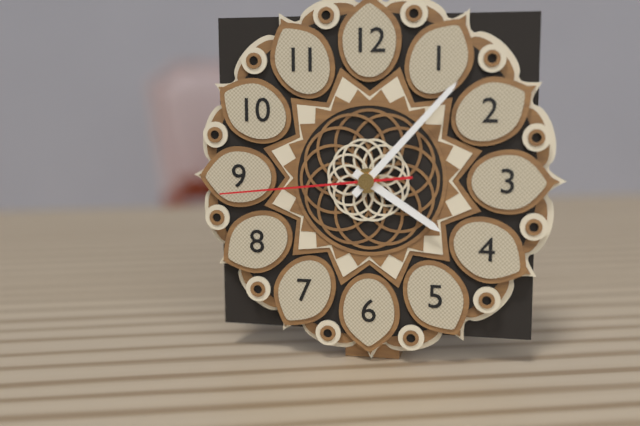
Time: **4:07:44**
